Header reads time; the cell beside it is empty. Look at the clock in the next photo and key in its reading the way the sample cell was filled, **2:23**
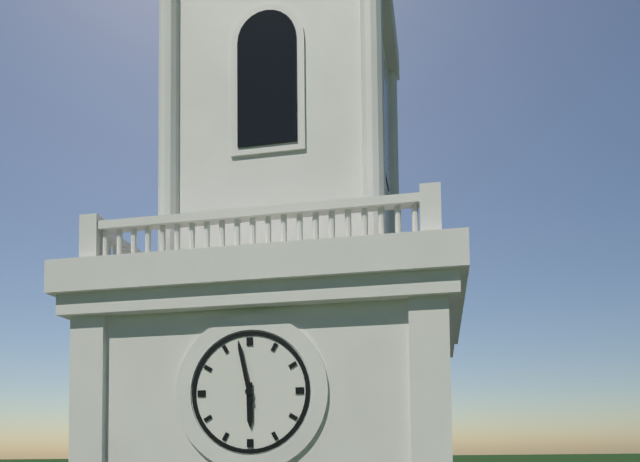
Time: **5:58**
